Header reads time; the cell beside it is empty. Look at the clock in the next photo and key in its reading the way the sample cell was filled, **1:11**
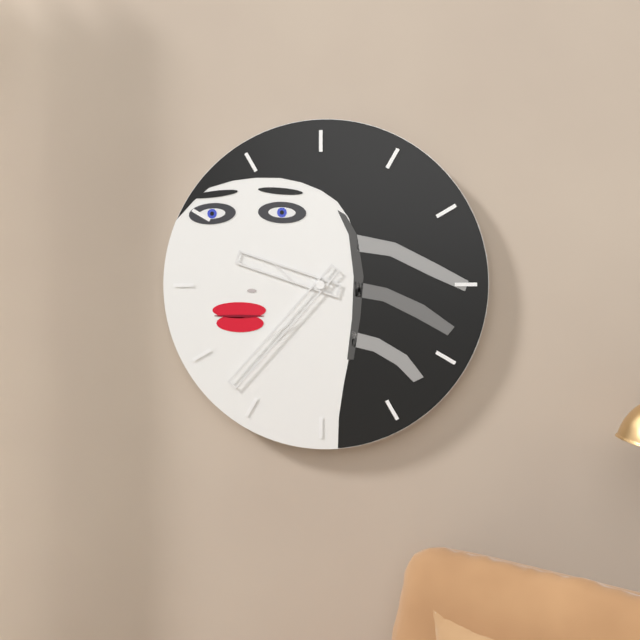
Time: **9:37**
